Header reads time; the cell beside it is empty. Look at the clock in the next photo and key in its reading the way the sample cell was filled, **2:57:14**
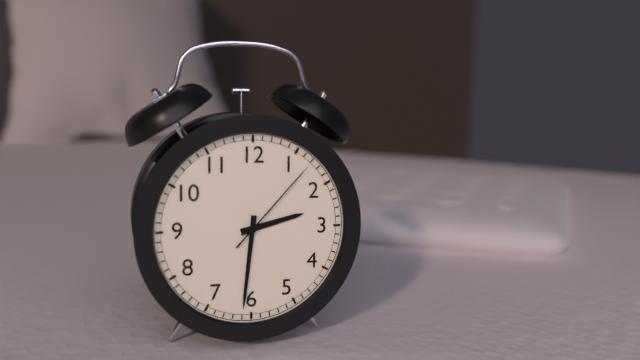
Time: **2:31:07**
